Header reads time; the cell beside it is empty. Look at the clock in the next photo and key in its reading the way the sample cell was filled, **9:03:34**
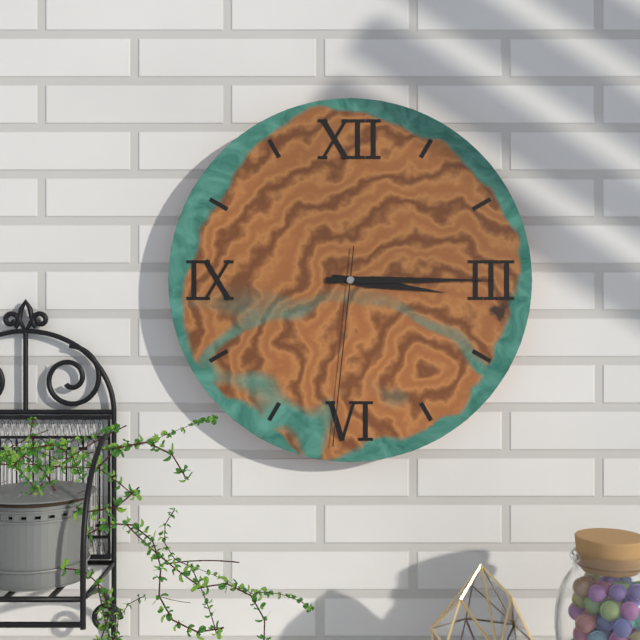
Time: **3:15:31**
